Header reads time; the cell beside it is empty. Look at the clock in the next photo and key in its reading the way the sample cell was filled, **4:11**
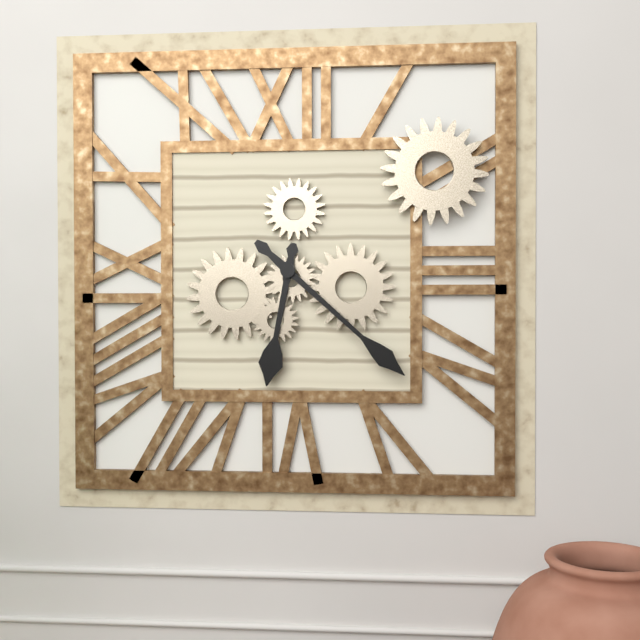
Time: **6:22**
